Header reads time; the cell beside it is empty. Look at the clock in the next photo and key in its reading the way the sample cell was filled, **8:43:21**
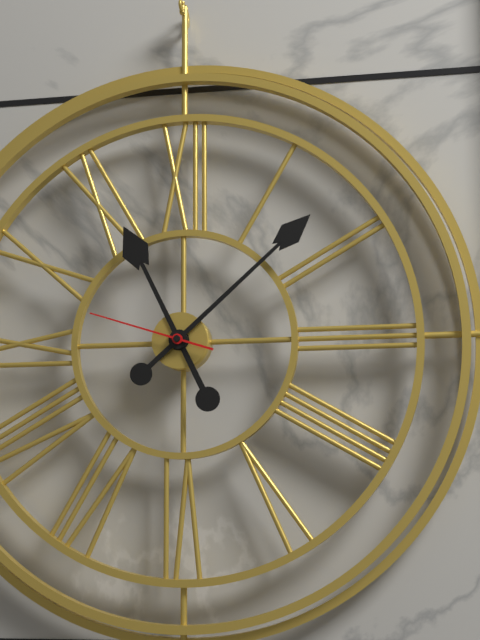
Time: **11:08:48**
